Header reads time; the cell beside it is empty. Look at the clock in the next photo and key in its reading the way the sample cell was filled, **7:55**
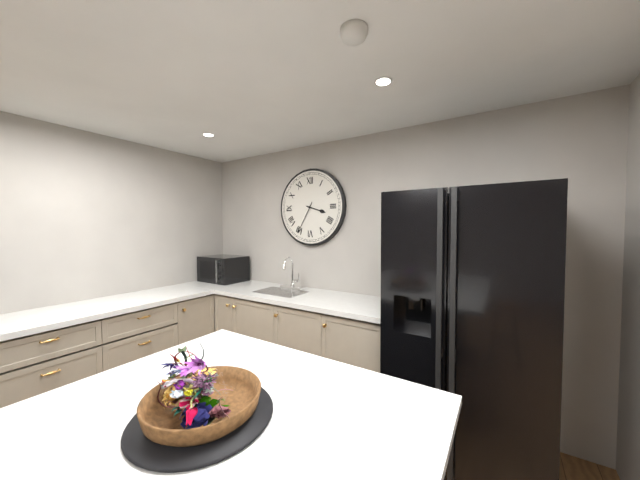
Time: **3:35**
